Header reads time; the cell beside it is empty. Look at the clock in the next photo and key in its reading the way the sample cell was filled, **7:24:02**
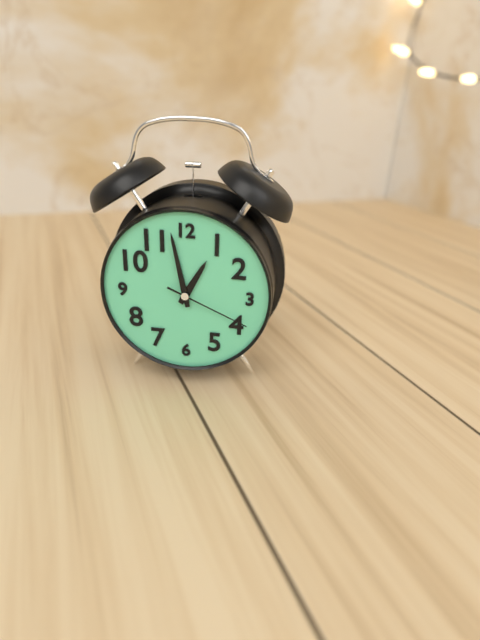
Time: **12:58:19**
